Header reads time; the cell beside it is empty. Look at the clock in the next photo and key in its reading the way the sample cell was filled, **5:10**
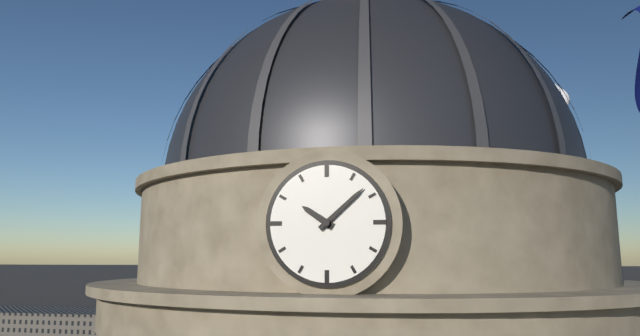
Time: **10:08**
